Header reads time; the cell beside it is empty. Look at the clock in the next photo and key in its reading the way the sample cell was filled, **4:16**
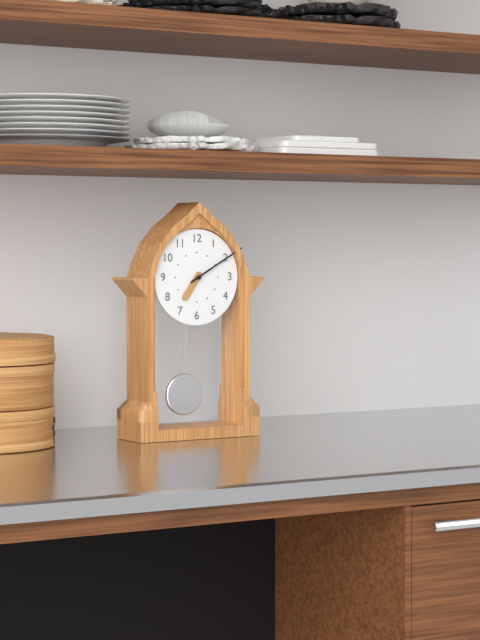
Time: **7:10**
